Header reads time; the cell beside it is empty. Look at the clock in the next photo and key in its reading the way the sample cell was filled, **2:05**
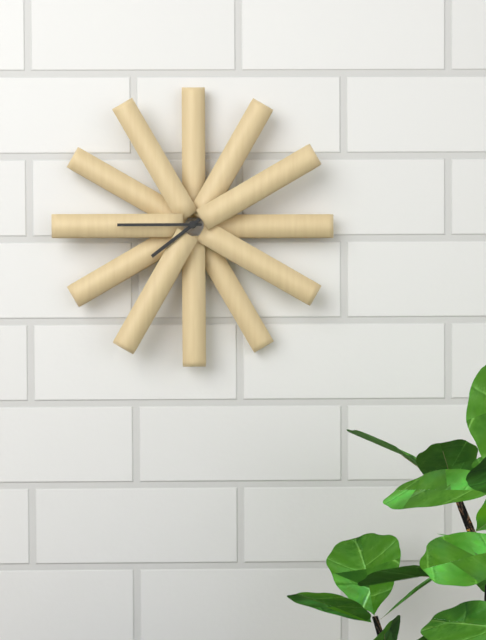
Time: **7:45**
